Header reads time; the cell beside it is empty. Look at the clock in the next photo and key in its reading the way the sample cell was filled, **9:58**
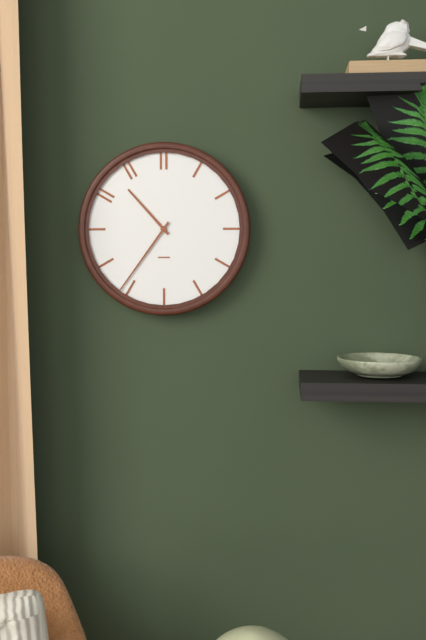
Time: **10:36**
